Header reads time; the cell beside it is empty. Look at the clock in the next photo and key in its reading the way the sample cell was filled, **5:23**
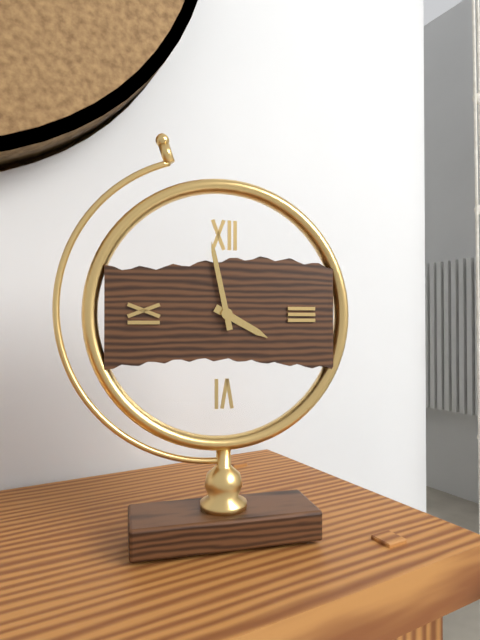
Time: **3:58**
